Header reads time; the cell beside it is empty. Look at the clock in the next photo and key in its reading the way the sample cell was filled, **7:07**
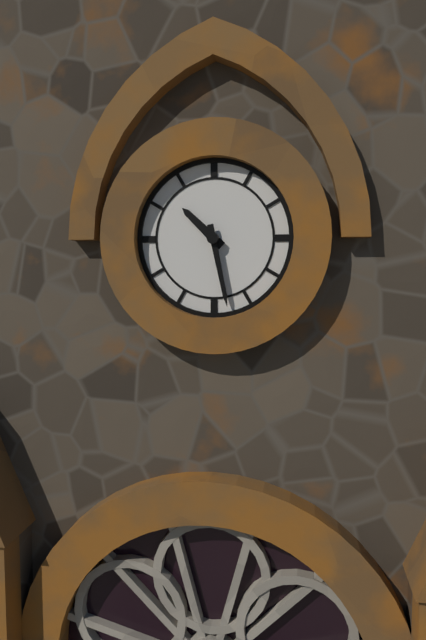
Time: **10:28**
